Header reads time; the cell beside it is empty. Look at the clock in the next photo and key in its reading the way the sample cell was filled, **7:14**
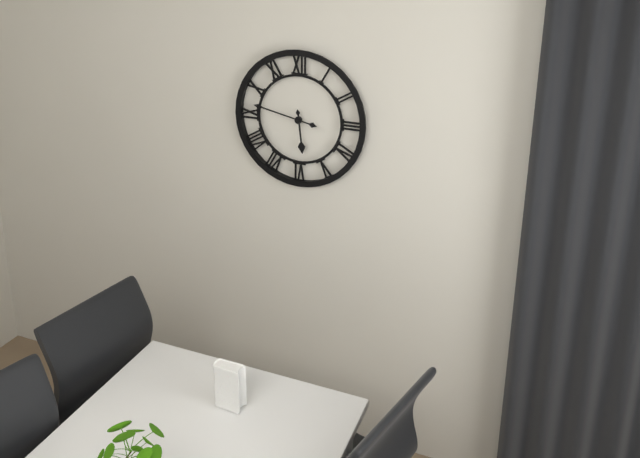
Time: **5:47**
